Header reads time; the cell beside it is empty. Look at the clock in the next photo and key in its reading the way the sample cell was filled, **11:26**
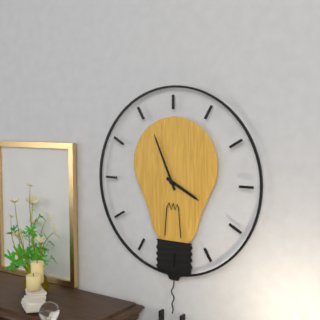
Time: **3:56**
